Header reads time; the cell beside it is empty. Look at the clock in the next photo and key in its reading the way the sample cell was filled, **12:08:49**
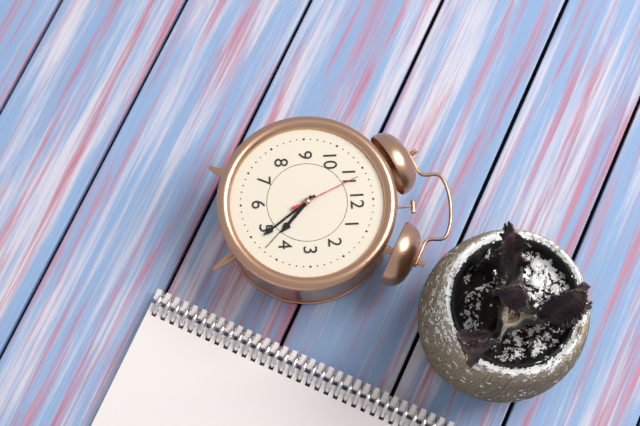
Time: **4:24:56**
